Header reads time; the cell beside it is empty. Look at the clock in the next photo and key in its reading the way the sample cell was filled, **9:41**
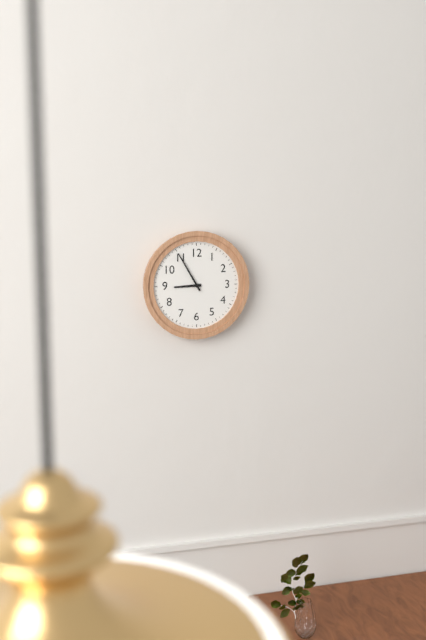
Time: **8:55**
